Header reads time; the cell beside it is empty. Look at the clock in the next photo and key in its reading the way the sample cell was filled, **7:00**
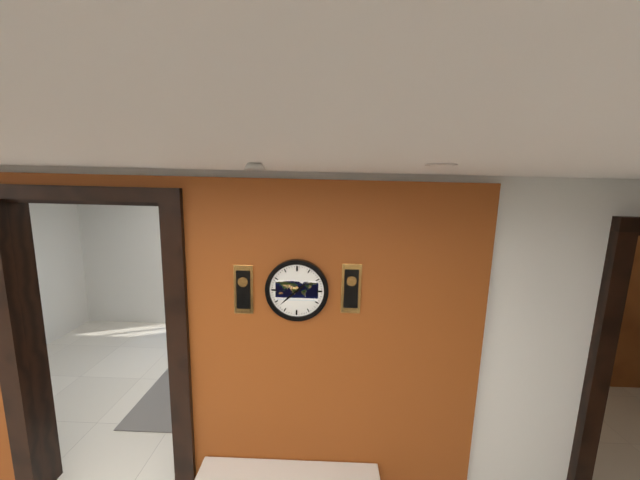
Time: **1:38**
